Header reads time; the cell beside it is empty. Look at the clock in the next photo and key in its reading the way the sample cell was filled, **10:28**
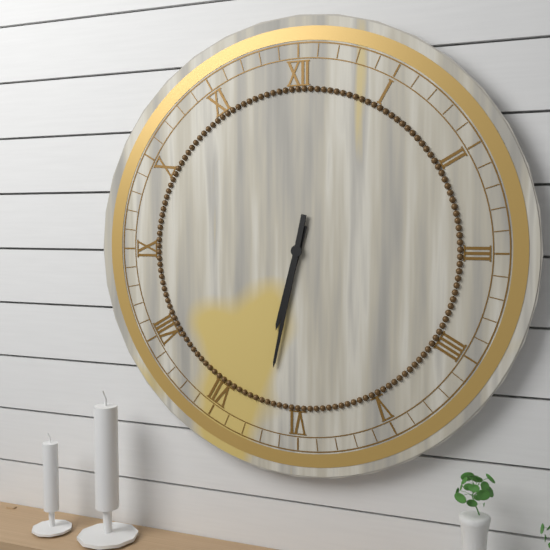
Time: **6:32**
